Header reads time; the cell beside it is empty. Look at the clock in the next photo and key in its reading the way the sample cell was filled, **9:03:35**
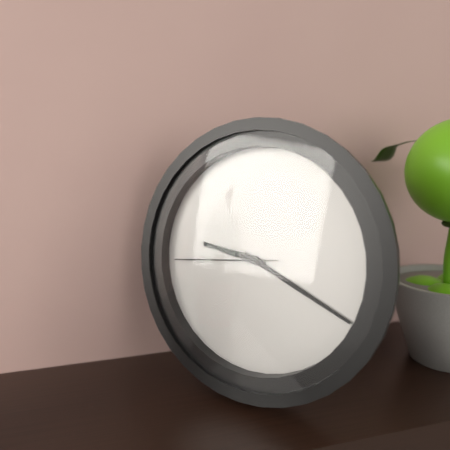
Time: **9:19:44**
